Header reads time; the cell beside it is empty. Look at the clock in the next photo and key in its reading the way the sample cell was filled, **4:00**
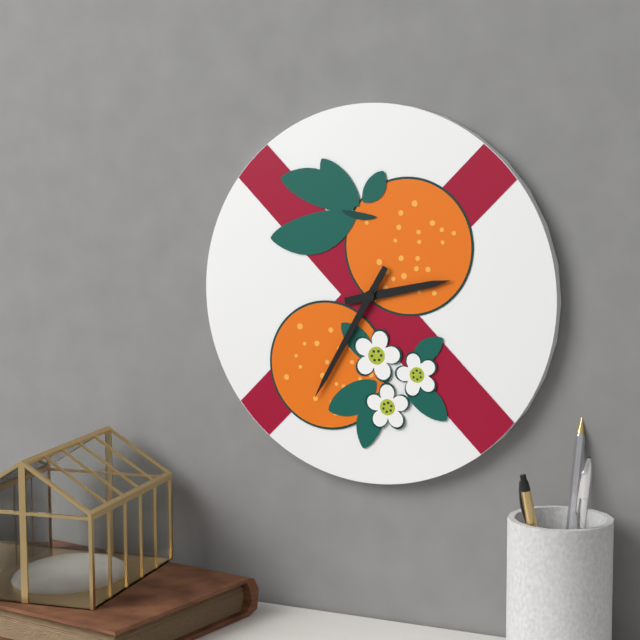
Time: **2:35**
